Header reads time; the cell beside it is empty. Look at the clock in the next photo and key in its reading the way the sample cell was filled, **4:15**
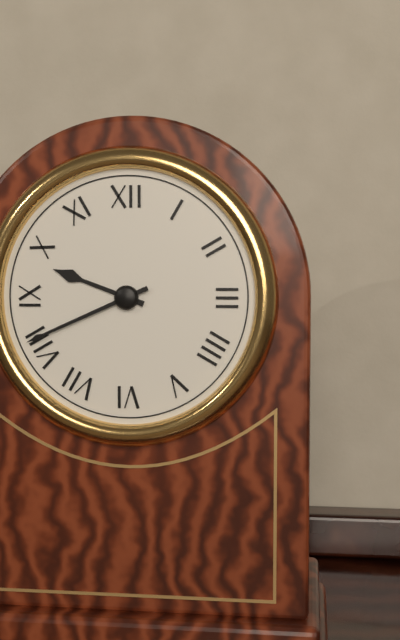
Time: **9:41**
